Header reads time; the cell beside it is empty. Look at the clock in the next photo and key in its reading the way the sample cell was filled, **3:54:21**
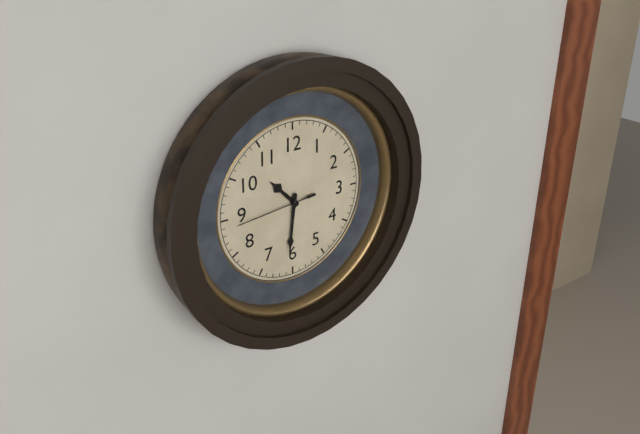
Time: **10:31:44**
